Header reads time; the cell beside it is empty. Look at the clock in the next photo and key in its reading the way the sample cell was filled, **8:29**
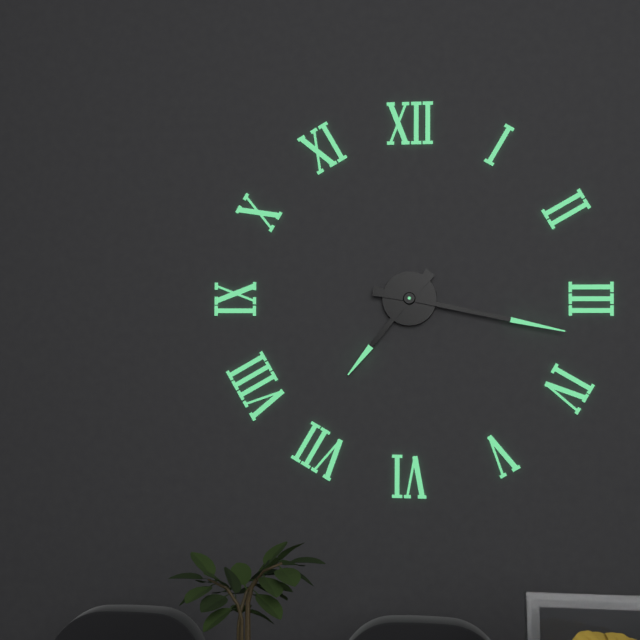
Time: **7:17**
